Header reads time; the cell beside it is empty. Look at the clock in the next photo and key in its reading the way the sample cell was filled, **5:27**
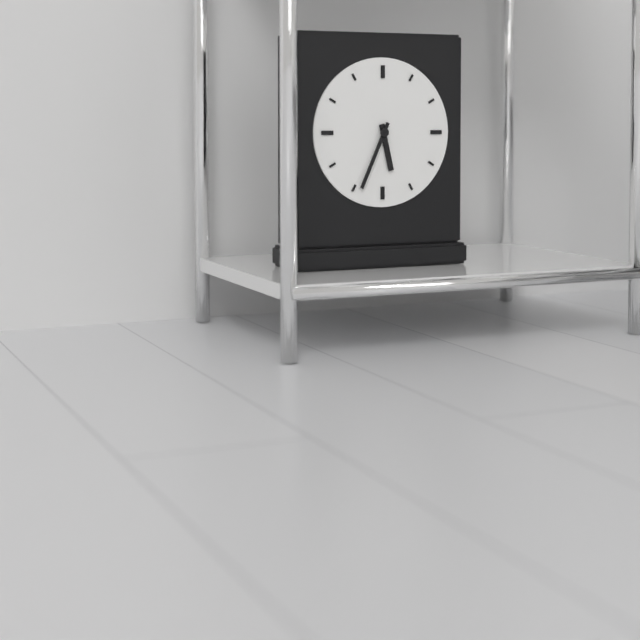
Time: **5:34**
